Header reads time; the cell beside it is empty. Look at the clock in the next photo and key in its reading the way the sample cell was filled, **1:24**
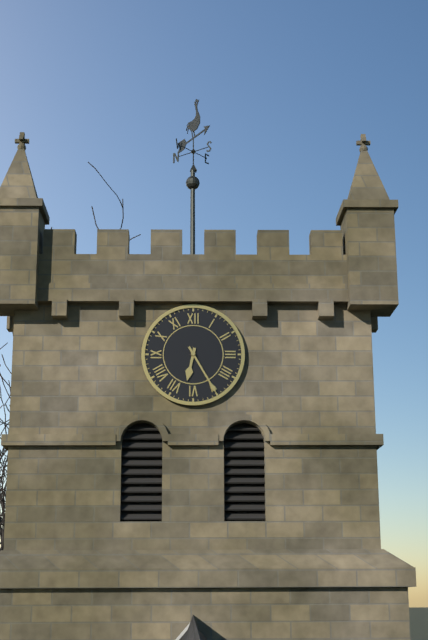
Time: **6:25**
